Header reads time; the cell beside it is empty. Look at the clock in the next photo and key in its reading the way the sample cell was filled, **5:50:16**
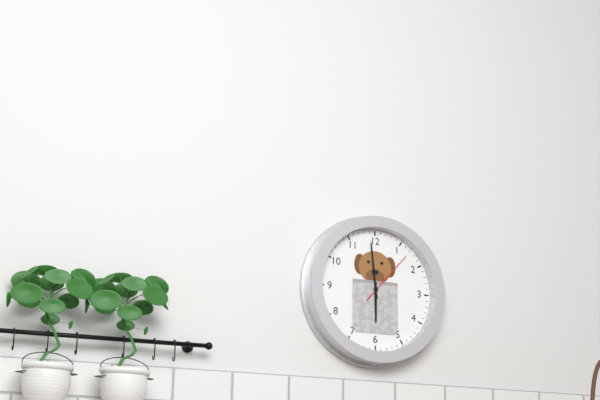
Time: **5:59:07**
